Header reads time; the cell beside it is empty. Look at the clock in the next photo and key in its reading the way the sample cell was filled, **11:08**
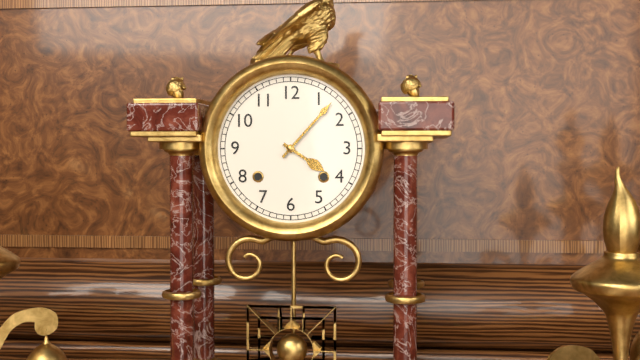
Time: **4:07**
